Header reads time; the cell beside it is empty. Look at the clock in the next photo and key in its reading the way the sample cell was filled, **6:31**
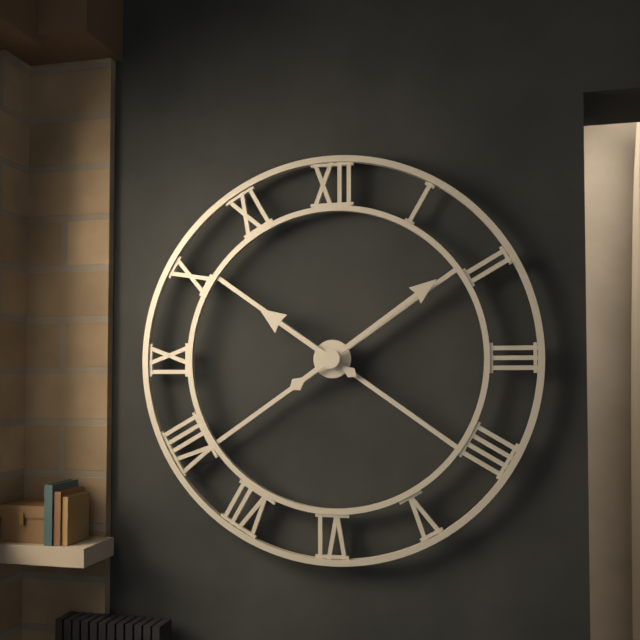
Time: **10:09**
